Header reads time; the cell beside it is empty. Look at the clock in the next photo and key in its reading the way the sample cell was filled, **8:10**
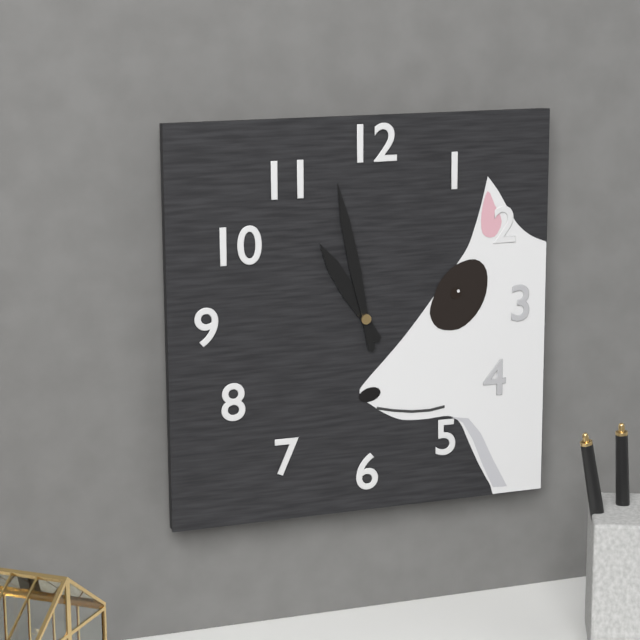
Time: **10:58**
